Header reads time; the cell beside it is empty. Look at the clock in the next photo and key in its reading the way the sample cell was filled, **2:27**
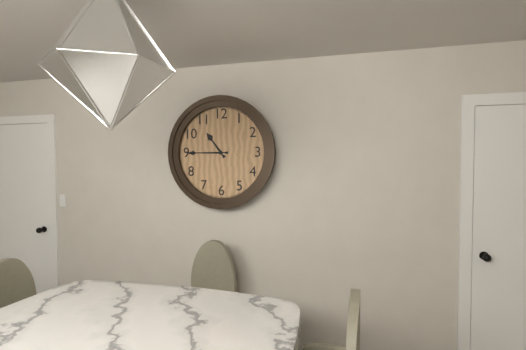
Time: **10:45**
